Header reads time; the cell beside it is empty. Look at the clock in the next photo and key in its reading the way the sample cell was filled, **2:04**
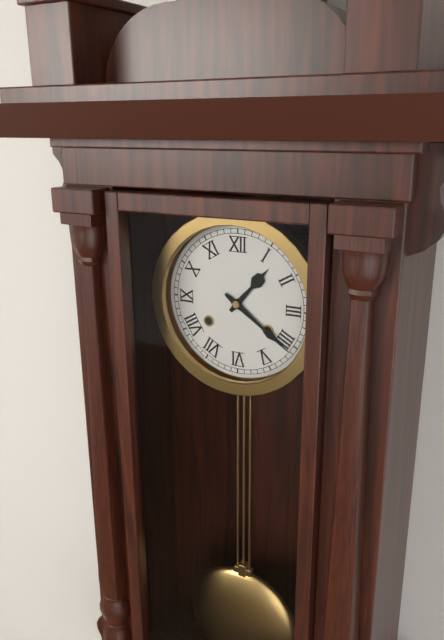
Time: **1:21**
